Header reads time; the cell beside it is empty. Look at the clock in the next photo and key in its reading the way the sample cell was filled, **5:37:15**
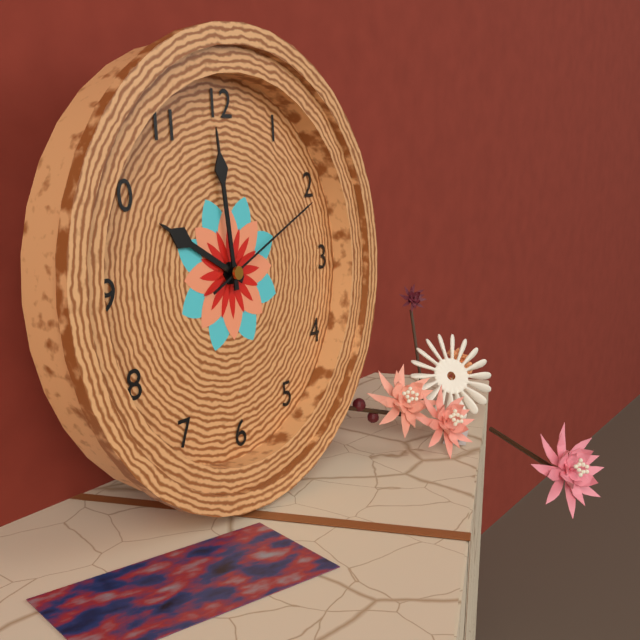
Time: **9:59:11**
